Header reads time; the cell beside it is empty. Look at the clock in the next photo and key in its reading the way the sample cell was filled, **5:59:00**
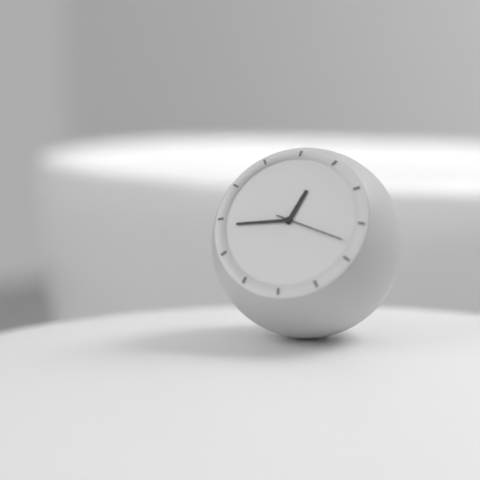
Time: **12:44:18**
